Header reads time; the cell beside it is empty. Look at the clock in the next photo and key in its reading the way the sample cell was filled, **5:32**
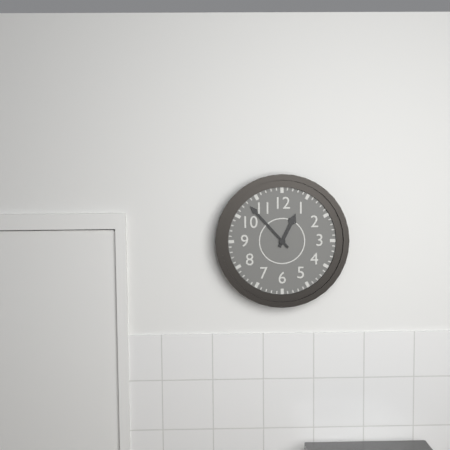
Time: **12:53**
